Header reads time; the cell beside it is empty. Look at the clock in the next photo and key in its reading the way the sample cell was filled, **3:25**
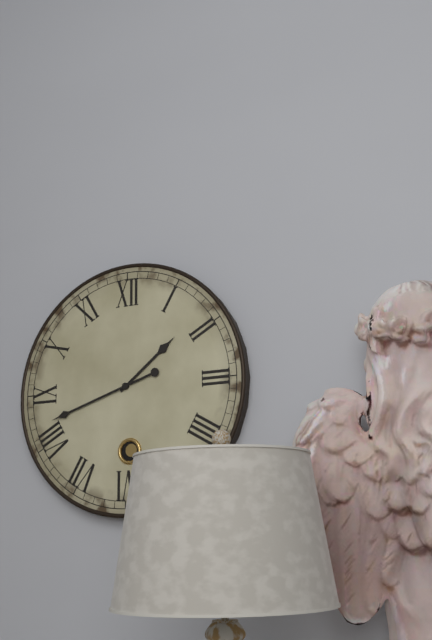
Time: **1:42**
